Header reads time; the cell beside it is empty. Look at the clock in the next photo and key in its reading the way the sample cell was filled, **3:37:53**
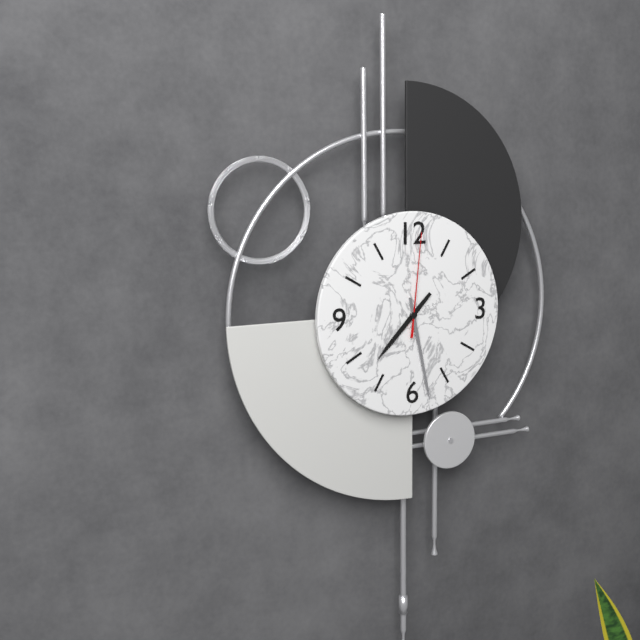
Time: **7:28:01**
